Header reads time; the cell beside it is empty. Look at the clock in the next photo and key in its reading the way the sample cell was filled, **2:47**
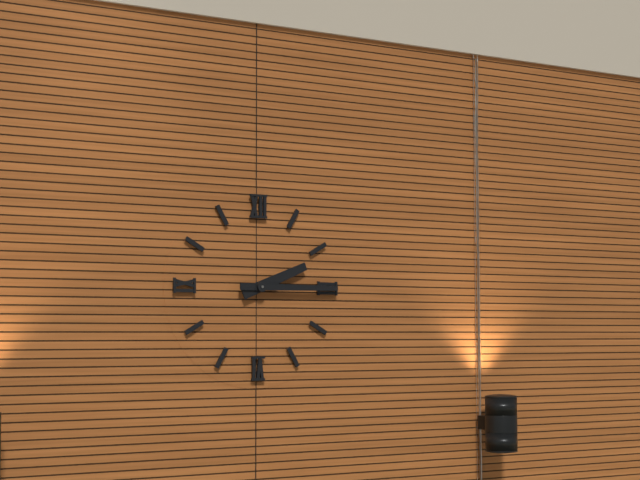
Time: **2:15**
